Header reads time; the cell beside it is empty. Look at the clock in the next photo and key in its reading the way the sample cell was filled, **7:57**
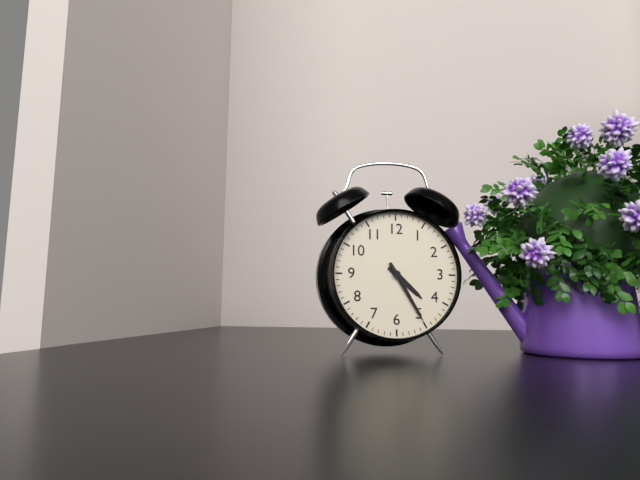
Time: **4:25**
